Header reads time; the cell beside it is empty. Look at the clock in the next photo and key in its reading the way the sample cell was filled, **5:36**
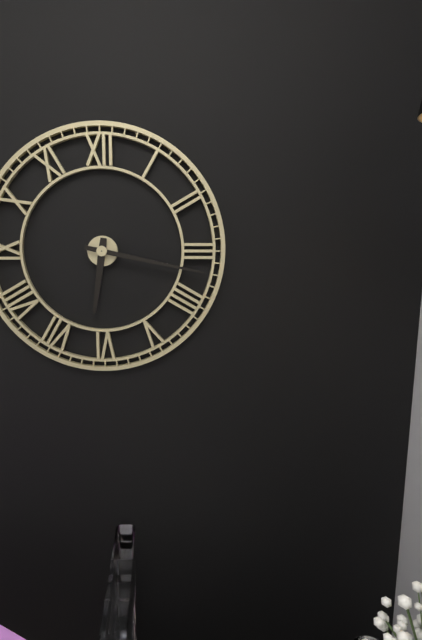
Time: **6:17**
